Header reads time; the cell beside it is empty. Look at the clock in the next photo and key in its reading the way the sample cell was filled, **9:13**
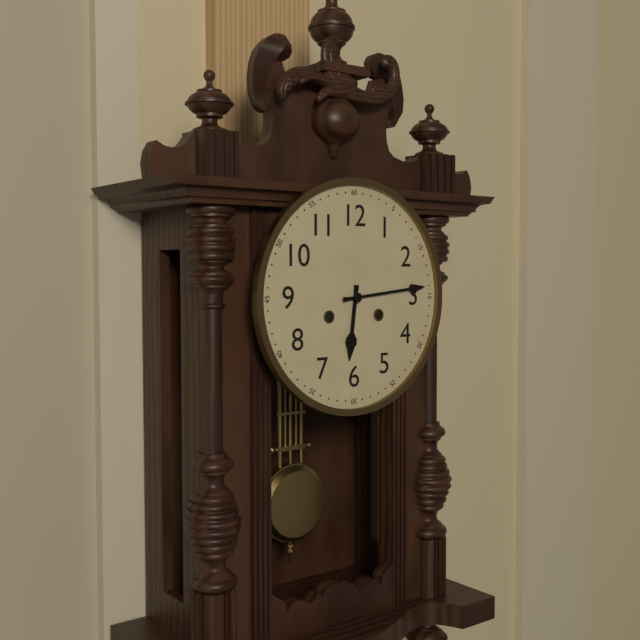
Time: **6:14**
